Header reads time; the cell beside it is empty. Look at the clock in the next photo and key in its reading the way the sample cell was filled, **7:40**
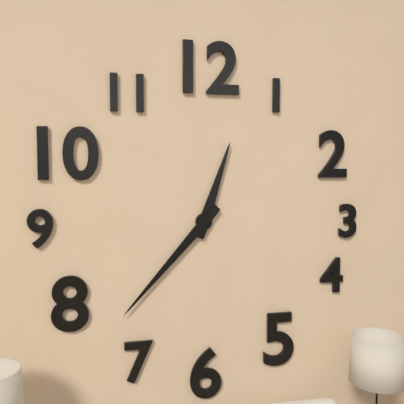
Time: **12:37**
